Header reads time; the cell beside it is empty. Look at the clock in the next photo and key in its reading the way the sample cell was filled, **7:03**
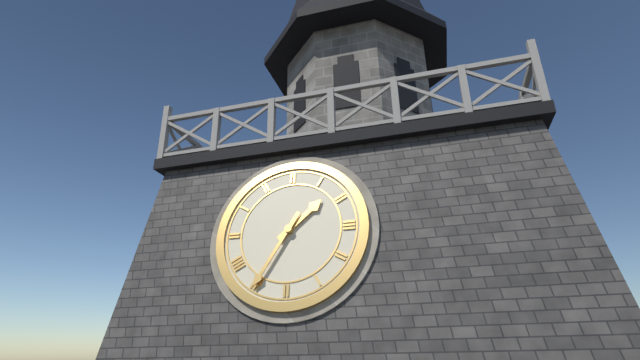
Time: **1:35**
